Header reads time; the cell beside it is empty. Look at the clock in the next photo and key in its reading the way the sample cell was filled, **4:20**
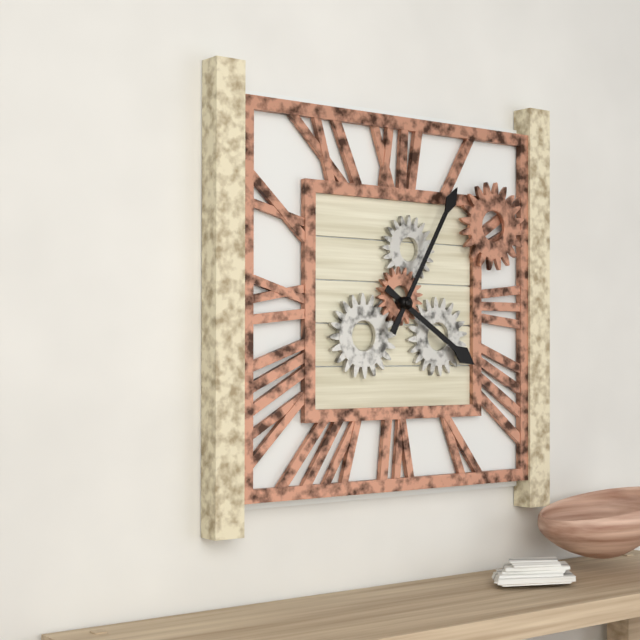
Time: **4:05**
